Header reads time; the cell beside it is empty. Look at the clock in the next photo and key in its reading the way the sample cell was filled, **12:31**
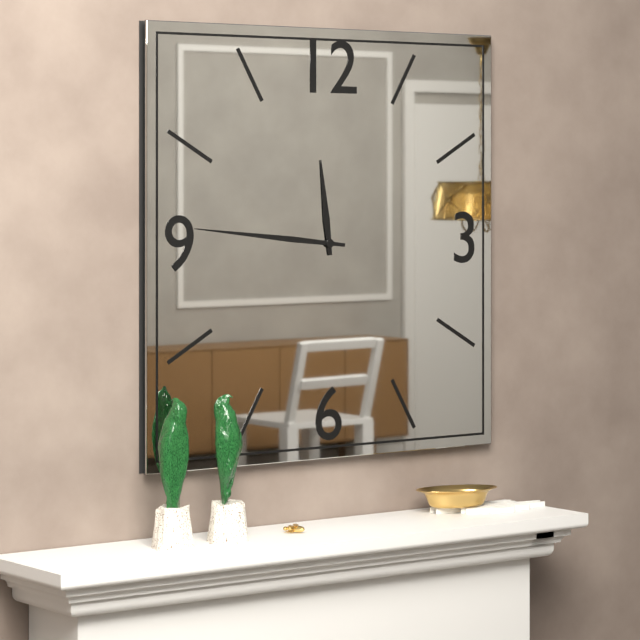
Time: **11:46**
